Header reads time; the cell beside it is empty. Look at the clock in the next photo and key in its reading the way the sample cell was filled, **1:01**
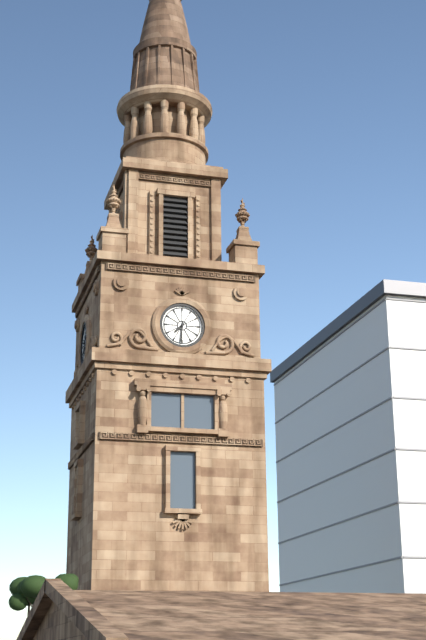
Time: **7:31**
